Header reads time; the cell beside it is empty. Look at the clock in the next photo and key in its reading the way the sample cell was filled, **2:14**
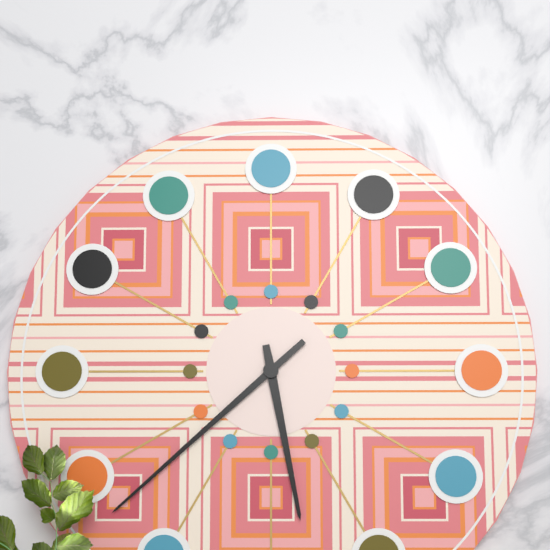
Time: **5:38**
